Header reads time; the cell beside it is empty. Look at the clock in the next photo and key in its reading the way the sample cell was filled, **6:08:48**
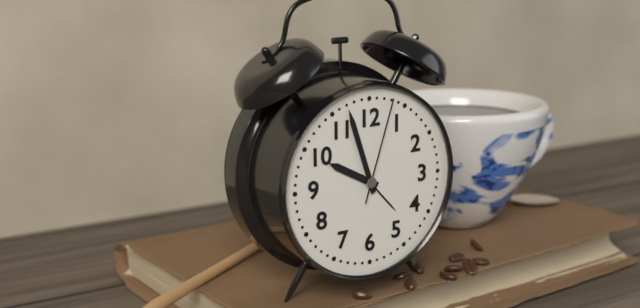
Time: **9:57:03**
